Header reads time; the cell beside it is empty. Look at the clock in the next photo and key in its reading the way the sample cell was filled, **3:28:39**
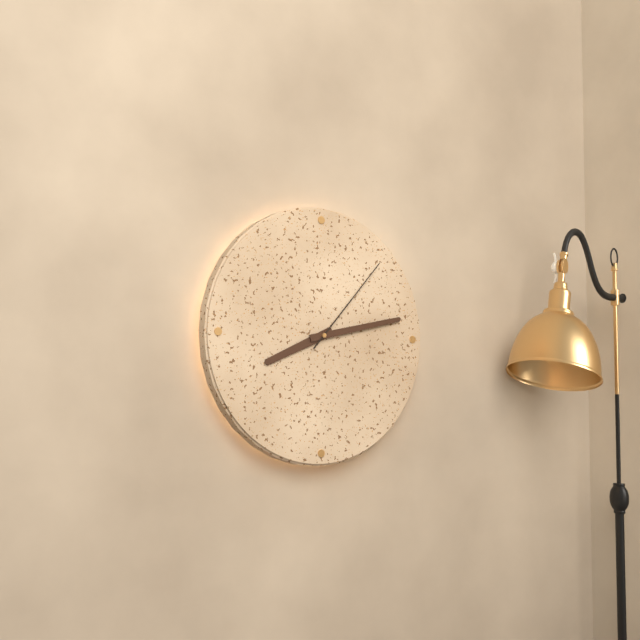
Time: **8:13:07**
